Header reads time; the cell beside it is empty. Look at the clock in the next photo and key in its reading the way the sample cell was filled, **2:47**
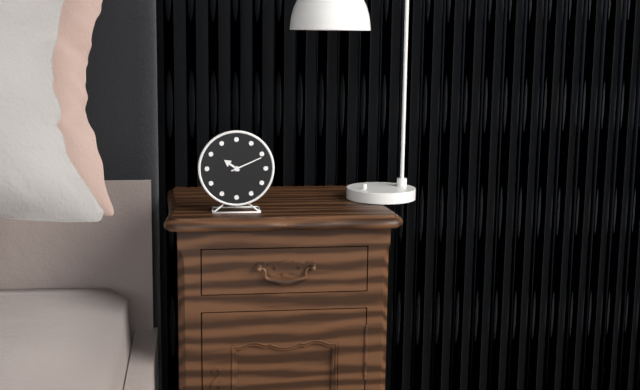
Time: **10:11**
